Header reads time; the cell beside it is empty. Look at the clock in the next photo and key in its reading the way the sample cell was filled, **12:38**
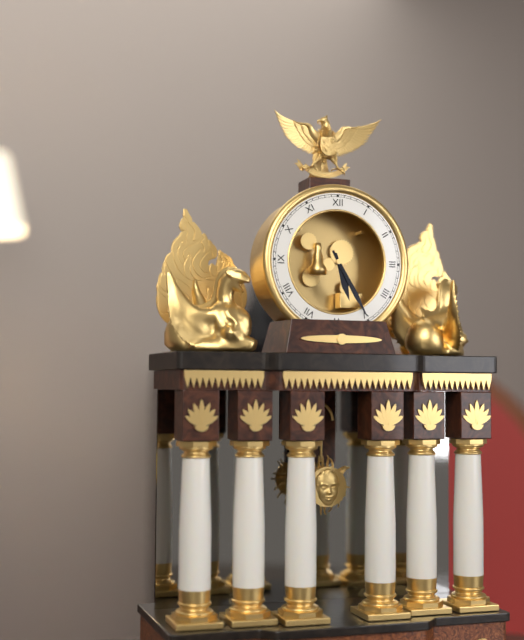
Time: **5:25**
